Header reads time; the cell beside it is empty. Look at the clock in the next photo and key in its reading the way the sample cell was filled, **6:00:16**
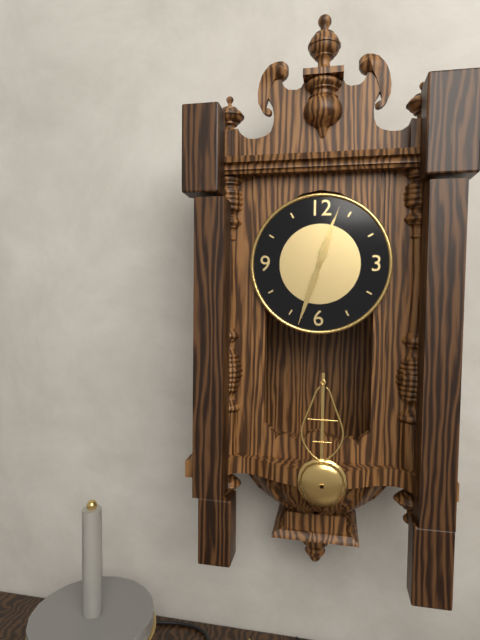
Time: **12:33:03**
